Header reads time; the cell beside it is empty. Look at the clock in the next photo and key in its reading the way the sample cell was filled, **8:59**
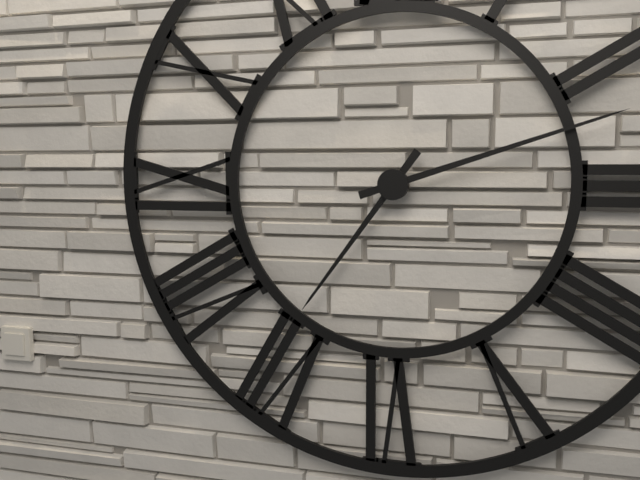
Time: **7:12**
